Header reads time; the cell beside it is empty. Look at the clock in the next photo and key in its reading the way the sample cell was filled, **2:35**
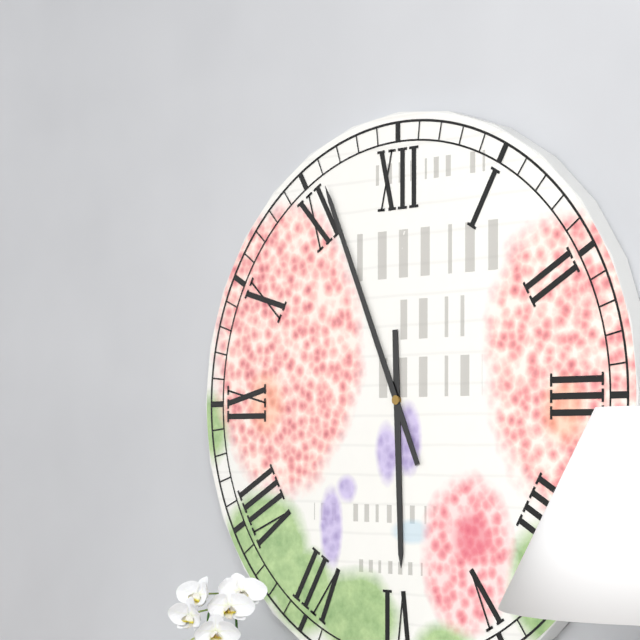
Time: **5:56**
